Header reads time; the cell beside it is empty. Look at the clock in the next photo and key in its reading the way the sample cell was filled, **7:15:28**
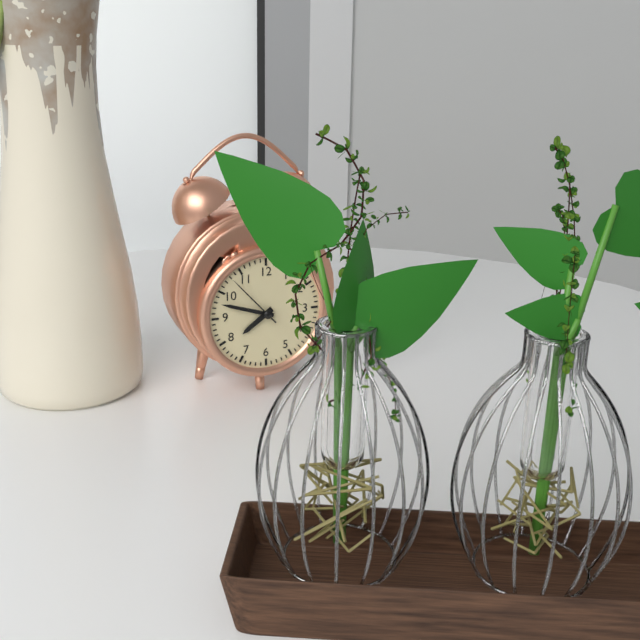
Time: **7:48:53**
